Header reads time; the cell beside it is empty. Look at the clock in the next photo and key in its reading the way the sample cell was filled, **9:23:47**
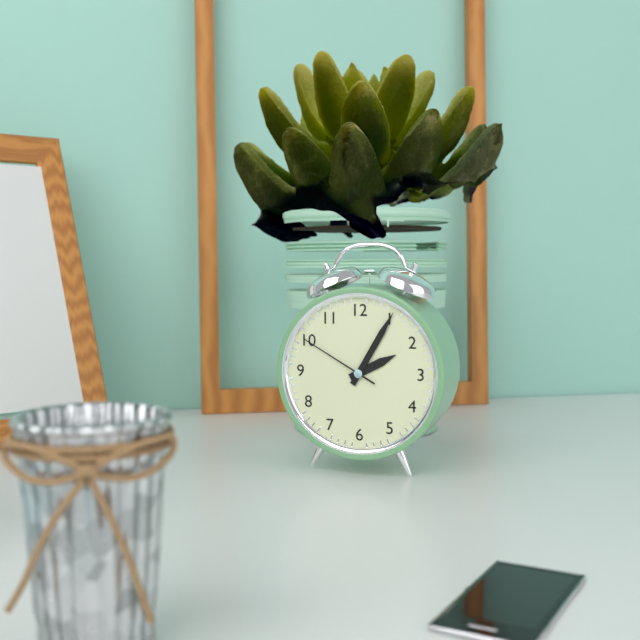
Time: **2:05:50**
